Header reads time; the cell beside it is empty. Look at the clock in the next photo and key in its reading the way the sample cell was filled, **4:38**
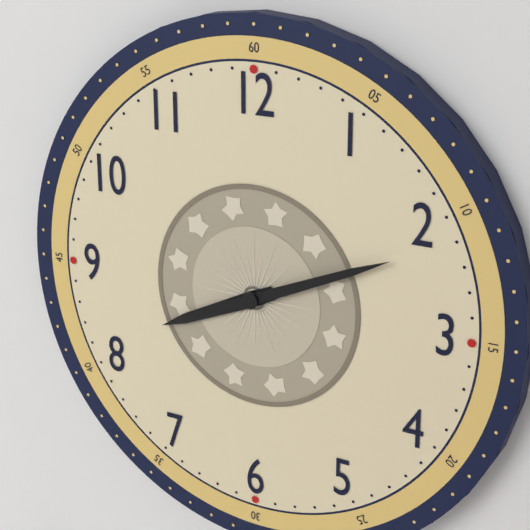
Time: **8:11**
